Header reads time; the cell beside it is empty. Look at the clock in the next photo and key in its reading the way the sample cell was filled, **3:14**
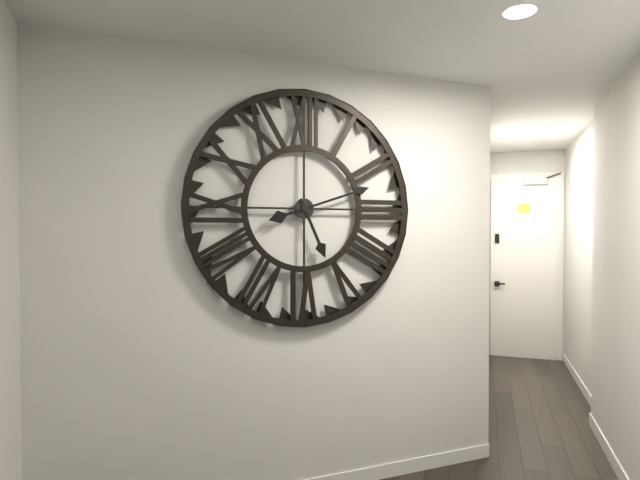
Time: **5:12**
